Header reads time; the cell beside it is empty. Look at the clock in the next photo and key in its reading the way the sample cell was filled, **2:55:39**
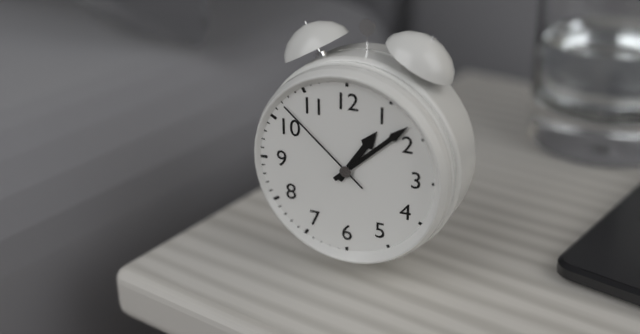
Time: **1:08:52**
